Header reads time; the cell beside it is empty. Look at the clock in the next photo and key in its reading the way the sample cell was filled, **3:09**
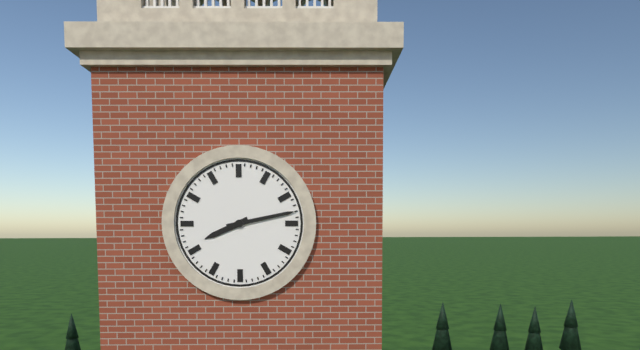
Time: **8:13**
